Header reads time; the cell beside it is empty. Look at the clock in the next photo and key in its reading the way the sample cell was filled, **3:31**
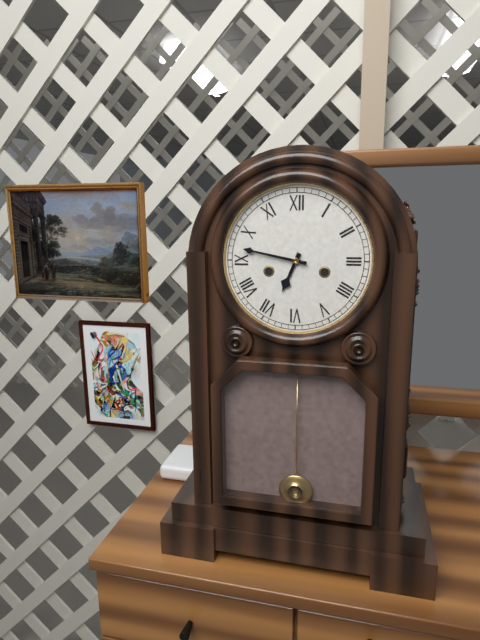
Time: **6:47**
